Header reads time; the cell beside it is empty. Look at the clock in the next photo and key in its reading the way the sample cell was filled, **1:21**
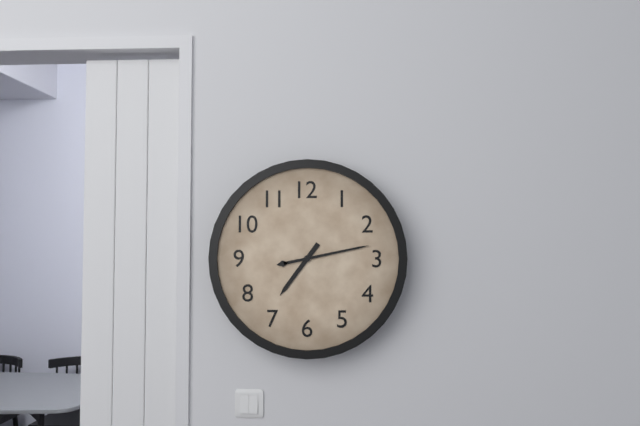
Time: **7:13**
